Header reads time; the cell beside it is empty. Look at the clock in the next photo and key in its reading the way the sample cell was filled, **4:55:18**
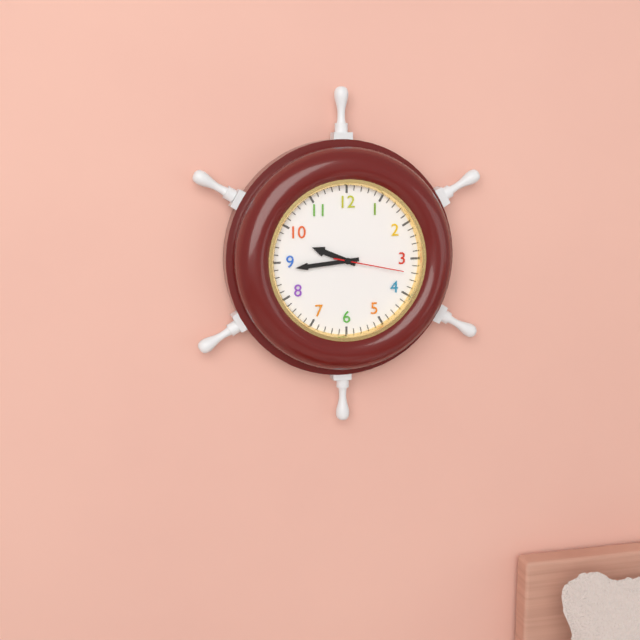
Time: **9:44:17**
